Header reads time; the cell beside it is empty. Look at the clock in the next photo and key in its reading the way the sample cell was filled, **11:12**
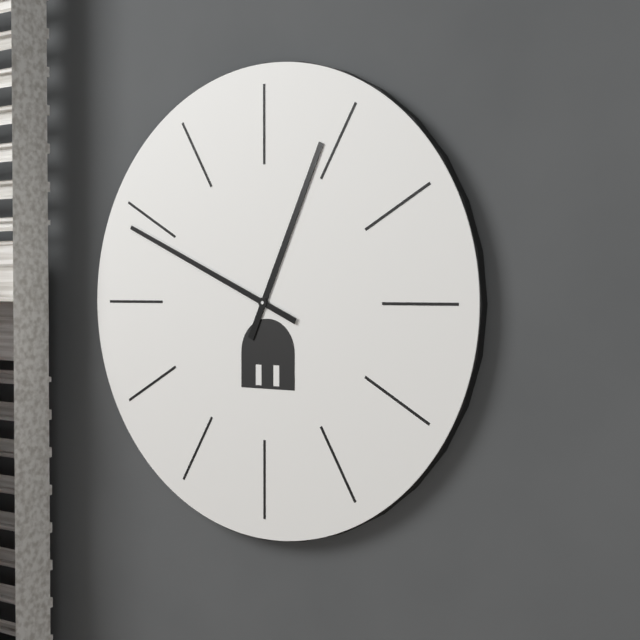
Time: **12:49**
